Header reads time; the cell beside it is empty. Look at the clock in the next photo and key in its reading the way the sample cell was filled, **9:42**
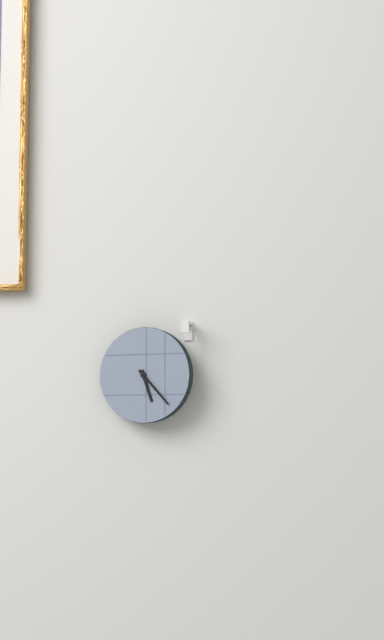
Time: **5:23**
